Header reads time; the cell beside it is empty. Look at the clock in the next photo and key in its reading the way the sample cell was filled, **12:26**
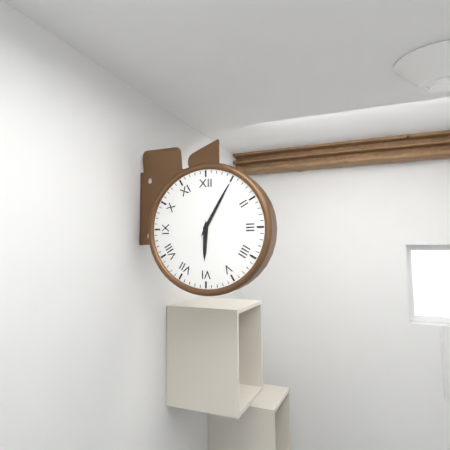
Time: **6:05**
